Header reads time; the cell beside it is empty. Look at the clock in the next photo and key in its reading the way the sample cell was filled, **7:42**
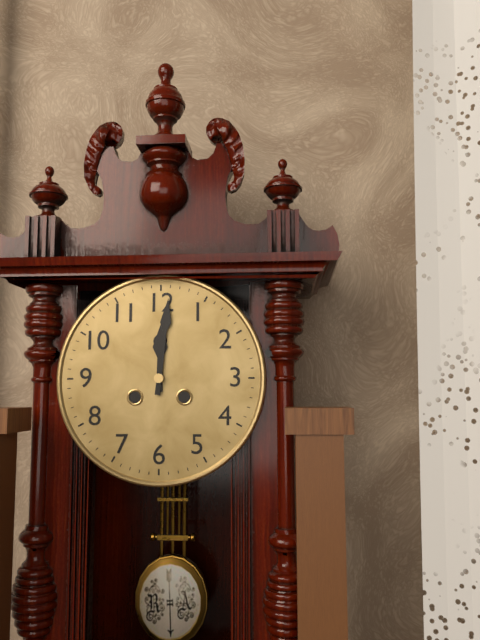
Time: **12:01**
